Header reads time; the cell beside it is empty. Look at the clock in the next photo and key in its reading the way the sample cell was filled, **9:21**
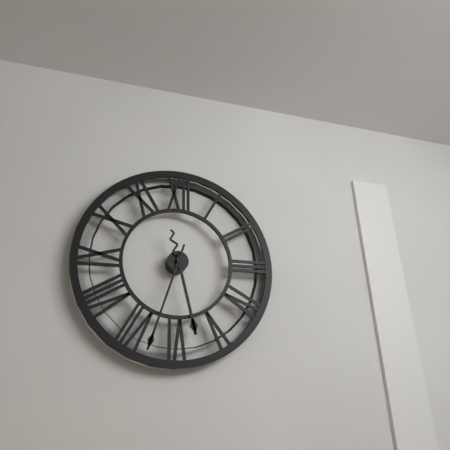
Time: **5:33**
